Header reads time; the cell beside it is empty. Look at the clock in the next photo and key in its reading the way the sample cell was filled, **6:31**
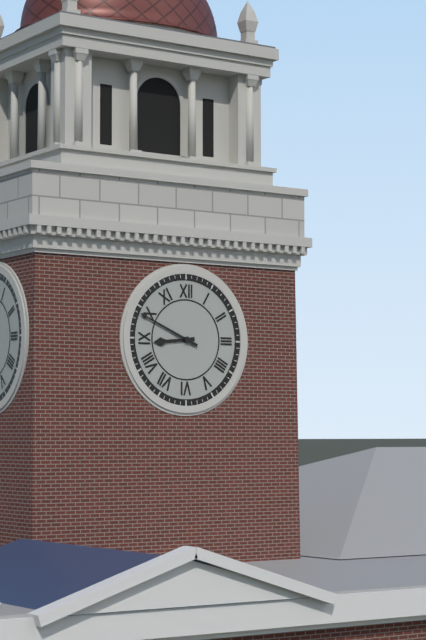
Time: **8:49**
